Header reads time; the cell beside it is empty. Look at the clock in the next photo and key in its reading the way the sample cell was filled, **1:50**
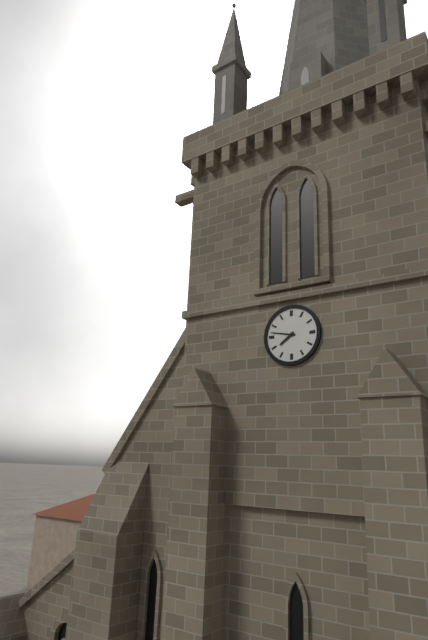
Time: **7:47**
